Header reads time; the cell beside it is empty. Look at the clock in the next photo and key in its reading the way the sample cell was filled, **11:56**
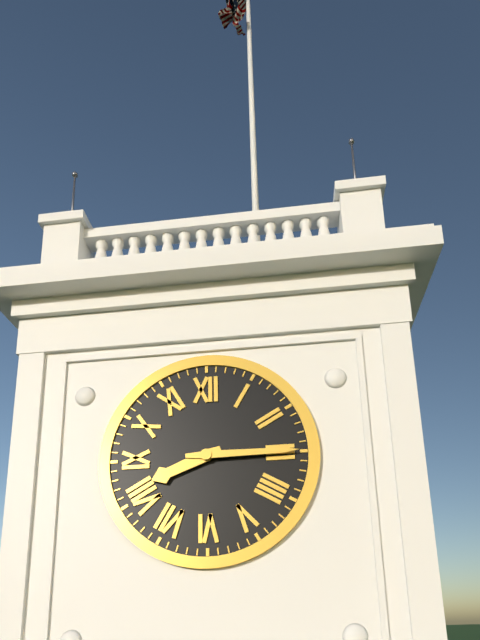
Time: **8:15**
